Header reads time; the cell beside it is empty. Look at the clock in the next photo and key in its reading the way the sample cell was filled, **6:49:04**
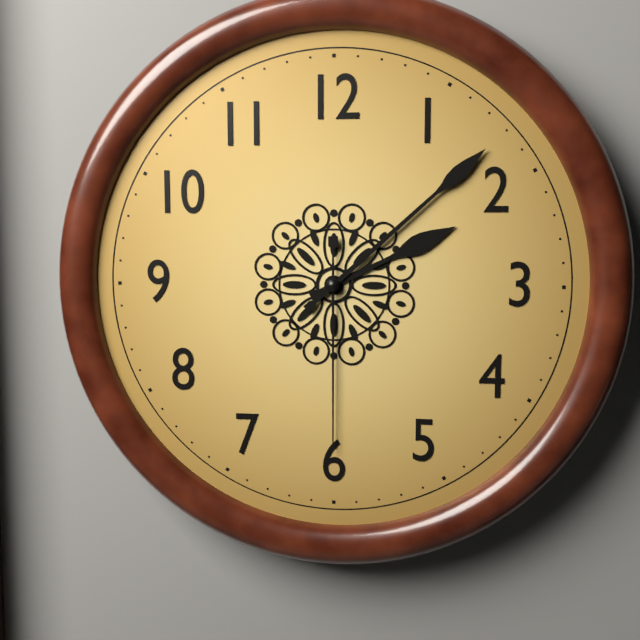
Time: **2:08:30**
